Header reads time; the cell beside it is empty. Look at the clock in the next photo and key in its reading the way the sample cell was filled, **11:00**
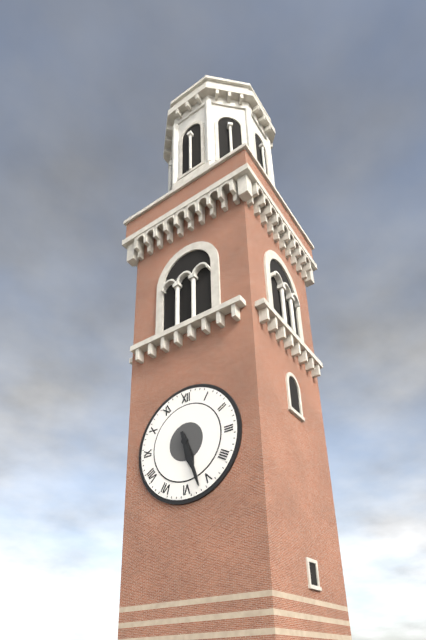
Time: **5:27**
